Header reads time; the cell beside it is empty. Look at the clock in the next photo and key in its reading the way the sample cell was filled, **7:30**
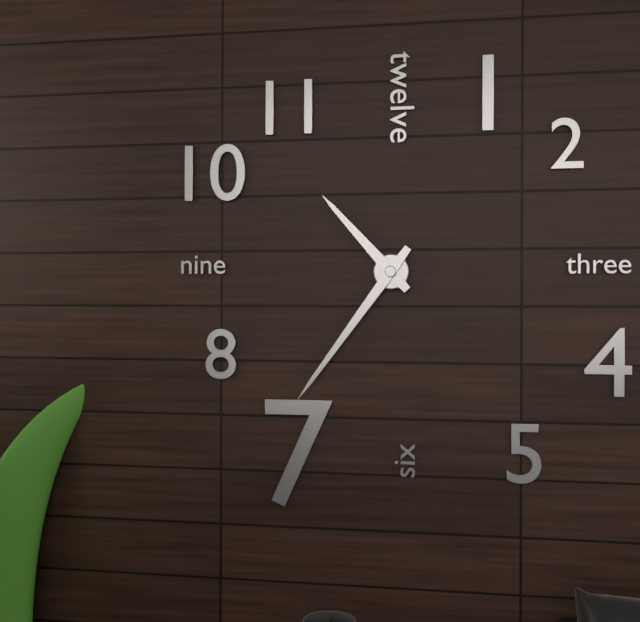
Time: **10:36**
